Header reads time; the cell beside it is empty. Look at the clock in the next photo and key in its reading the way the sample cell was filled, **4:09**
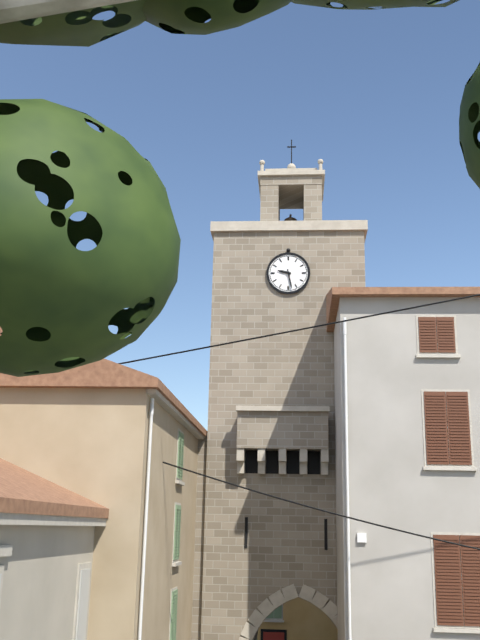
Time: **9:28**
